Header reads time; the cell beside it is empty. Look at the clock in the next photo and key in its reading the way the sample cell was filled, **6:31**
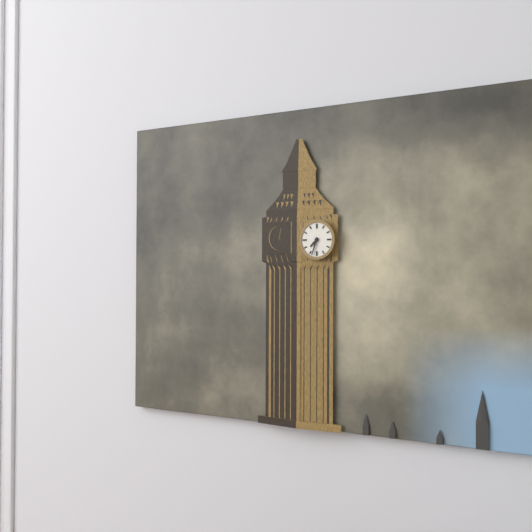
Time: **7:33**
